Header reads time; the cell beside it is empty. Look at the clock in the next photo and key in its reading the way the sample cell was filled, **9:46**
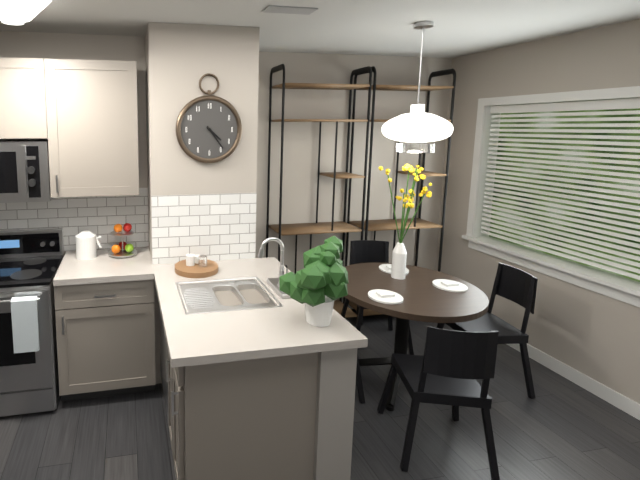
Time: **4:24**
